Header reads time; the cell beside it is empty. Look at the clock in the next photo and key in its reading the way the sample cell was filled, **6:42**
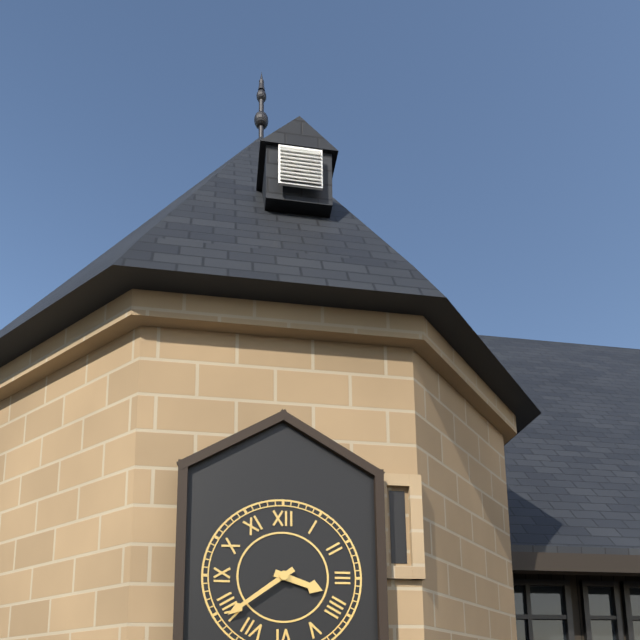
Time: **3:39**
